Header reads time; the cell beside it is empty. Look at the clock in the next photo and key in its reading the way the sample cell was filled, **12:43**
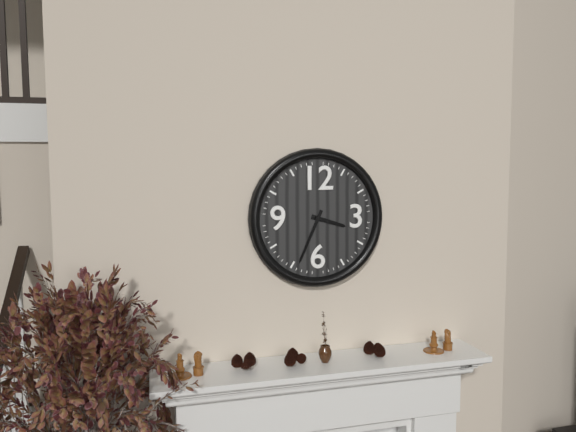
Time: **3:34**
